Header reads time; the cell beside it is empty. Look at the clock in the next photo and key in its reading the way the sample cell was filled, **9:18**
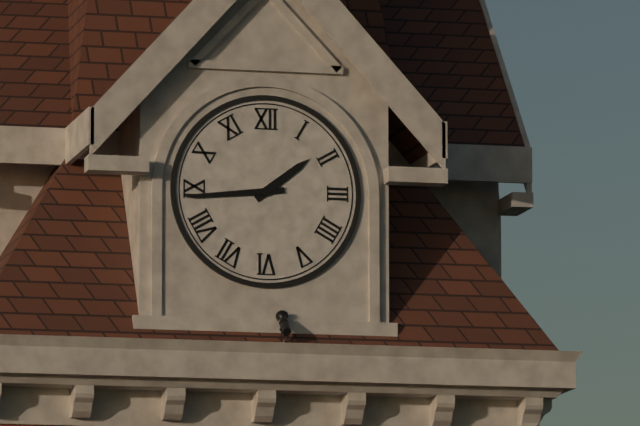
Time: **1:44**
